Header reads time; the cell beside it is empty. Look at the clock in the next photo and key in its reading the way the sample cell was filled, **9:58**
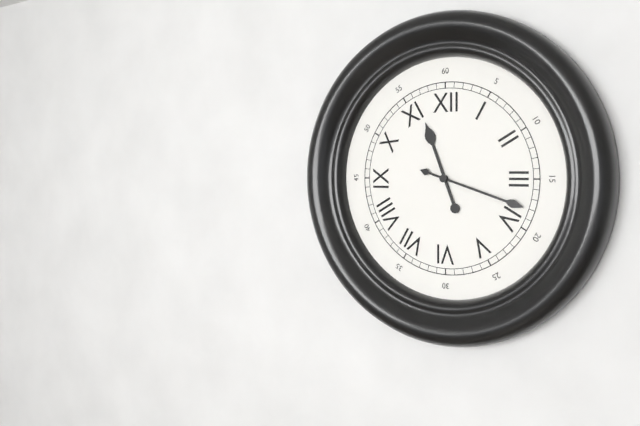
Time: **11:18**
